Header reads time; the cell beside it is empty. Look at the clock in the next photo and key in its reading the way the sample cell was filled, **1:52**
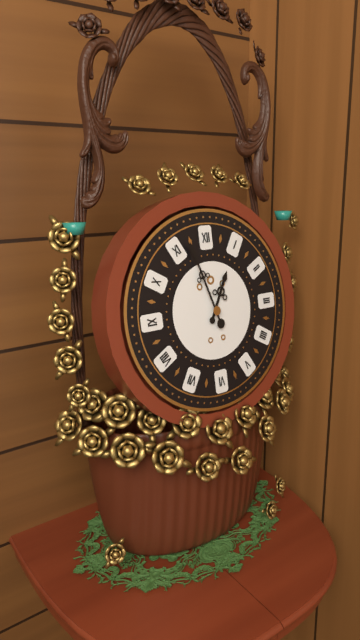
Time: **12:57**
